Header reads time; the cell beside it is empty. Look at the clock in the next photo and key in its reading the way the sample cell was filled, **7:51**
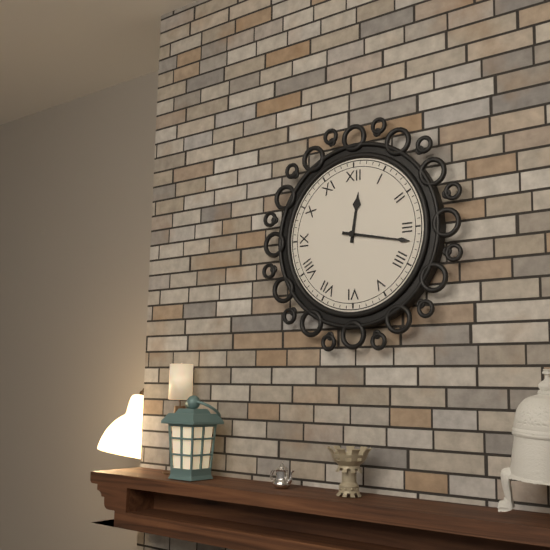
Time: **12:17**
